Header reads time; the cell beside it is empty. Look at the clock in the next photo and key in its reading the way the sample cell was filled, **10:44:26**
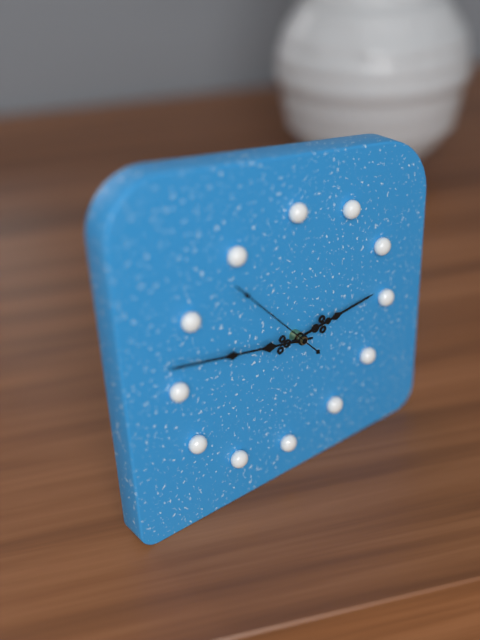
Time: **2:47:53**
